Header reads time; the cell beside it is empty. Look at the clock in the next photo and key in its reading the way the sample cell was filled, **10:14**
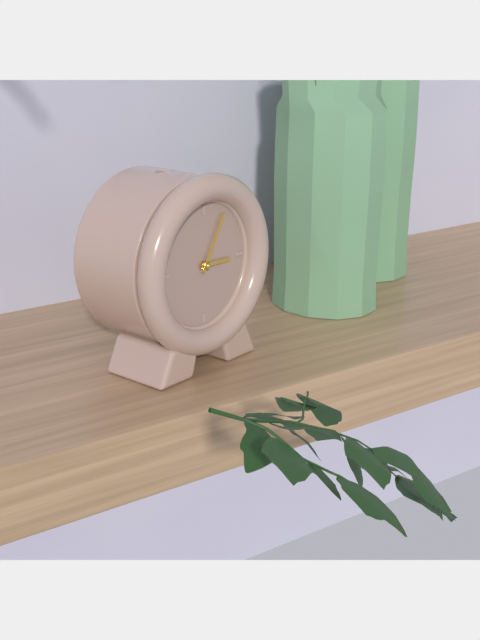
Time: **3:05**
